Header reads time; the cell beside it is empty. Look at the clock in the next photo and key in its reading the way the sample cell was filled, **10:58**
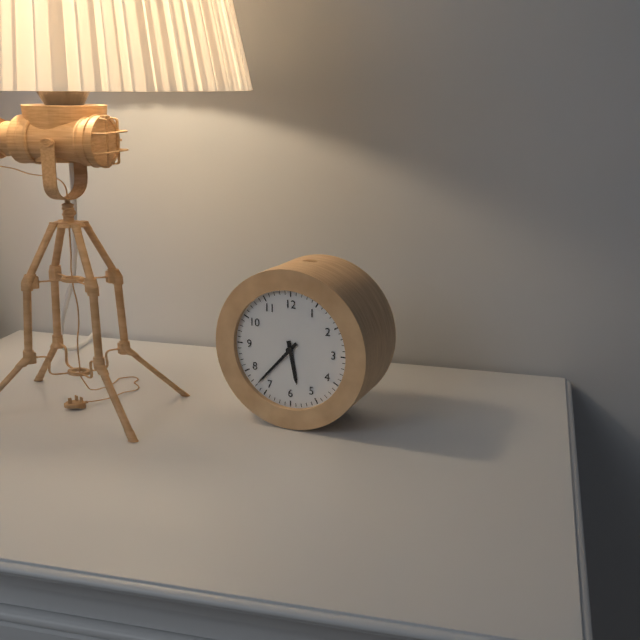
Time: **5:37**
